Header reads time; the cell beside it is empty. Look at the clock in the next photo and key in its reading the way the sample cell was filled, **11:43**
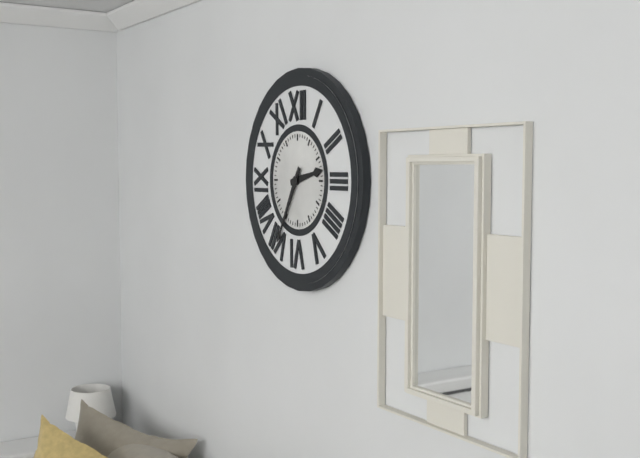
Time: **2:35**
